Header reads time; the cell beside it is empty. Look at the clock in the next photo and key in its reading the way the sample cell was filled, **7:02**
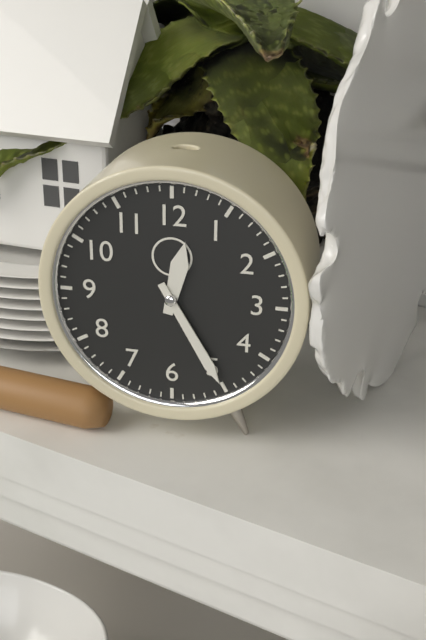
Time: **12:25**
